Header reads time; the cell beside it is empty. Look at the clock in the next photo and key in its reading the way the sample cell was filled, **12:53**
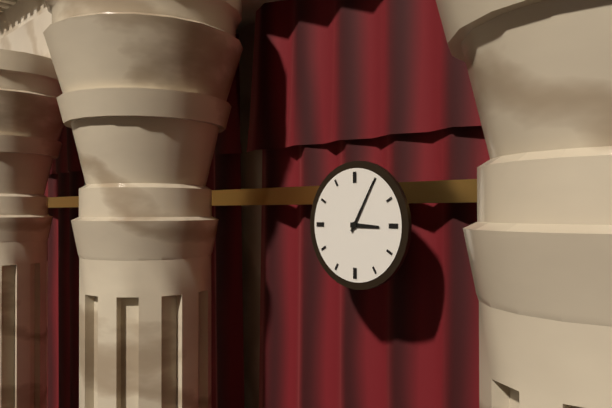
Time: **3:05**
